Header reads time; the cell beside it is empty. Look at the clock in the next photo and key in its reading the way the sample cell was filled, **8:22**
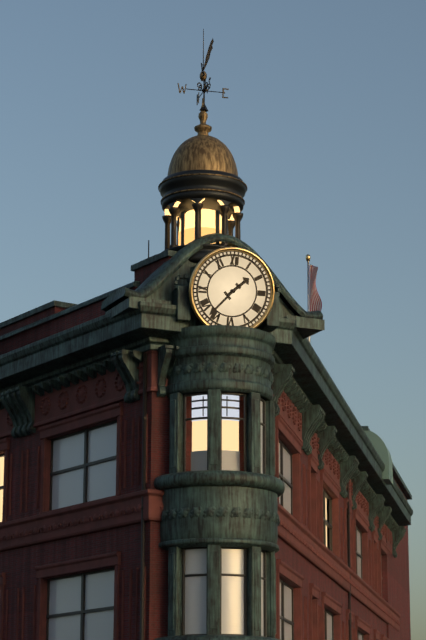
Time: **1:37**
